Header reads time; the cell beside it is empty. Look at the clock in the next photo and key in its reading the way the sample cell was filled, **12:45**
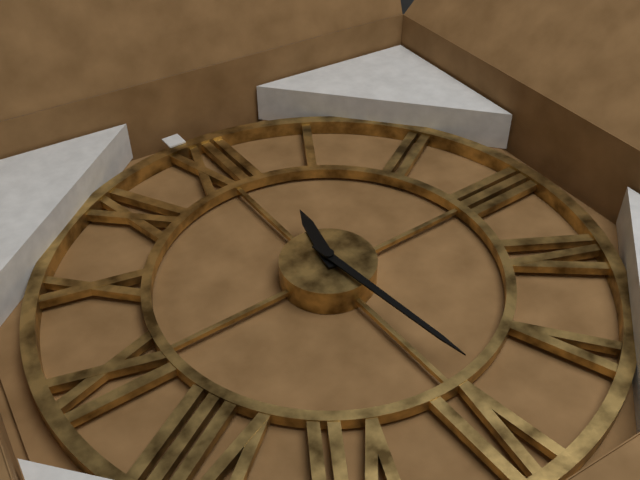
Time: **12:29**
